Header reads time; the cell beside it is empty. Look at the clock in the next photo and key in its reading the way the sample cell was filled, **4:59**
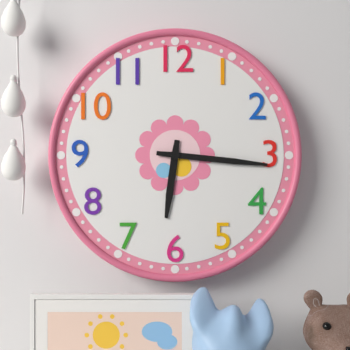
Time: **6:16**
